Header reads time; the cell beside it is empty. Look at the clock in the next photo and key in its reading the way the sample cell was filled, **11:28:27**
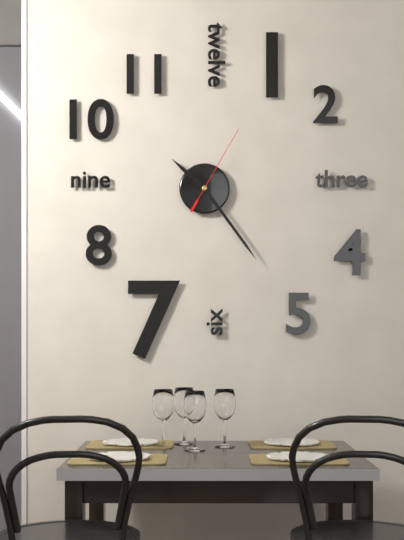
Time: **10:24:05**
